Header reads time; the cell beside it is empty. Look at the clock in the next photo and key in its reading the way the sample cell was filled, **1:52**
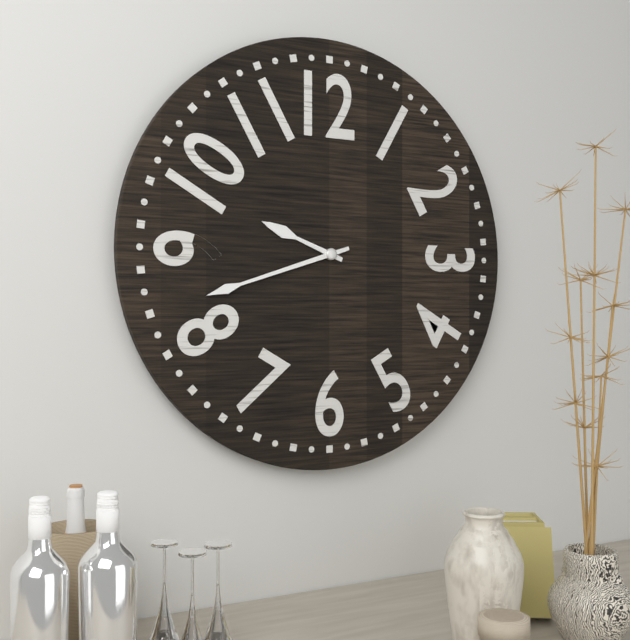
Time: **9:42**
